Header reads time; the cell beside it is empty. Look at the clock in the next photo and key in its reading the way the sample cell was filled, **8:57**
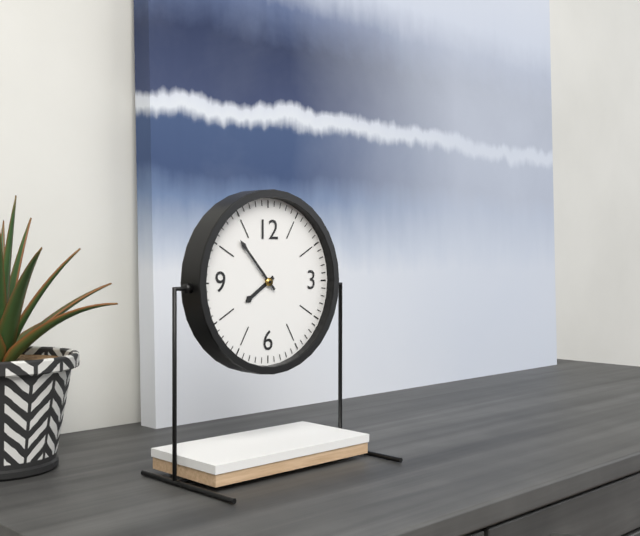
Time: **7:53**
